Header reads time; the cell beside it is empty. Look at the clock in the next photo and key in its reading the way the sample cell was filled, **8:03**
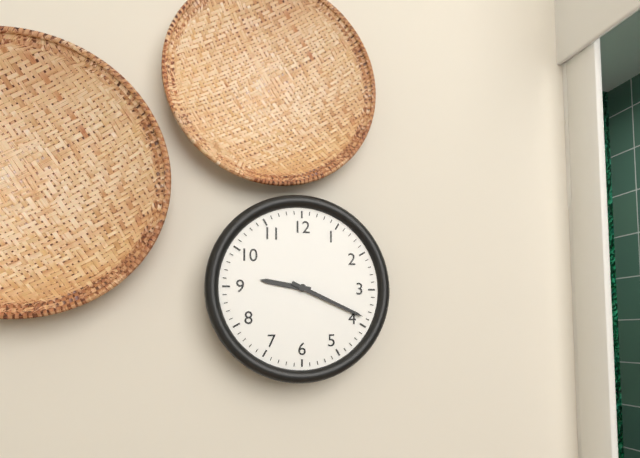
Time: **9:19**
